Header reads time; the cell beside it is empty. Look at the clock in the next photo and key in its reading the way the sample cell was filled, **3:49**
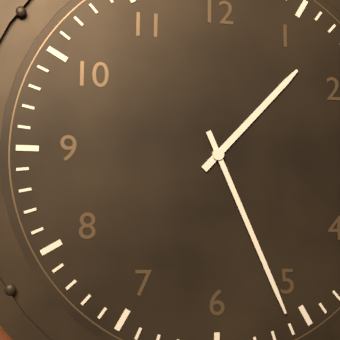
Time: **1:26**
